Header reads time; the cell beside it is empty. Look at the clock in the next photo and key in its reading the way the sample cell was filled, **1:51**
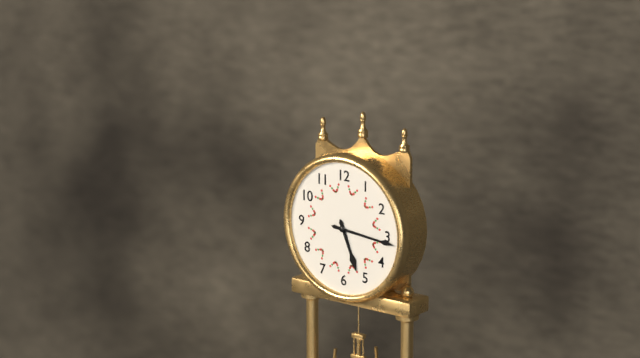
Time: **5:16**
